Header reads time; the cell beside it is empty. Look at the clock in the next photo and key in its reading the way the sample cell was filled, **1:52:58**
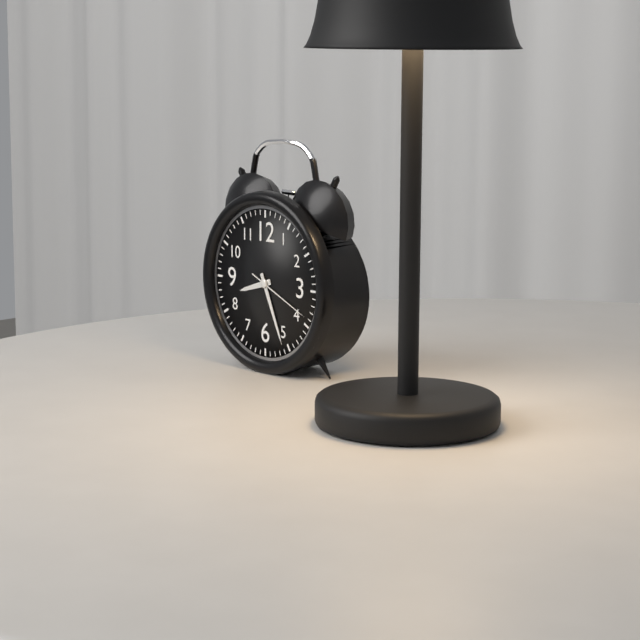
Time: **8:26:19**
